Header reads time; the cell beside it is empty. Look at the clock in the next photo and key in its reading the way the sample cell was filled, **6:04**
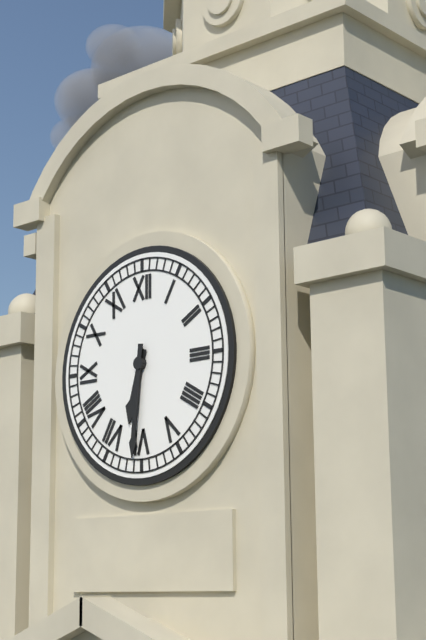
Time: **6:31**
